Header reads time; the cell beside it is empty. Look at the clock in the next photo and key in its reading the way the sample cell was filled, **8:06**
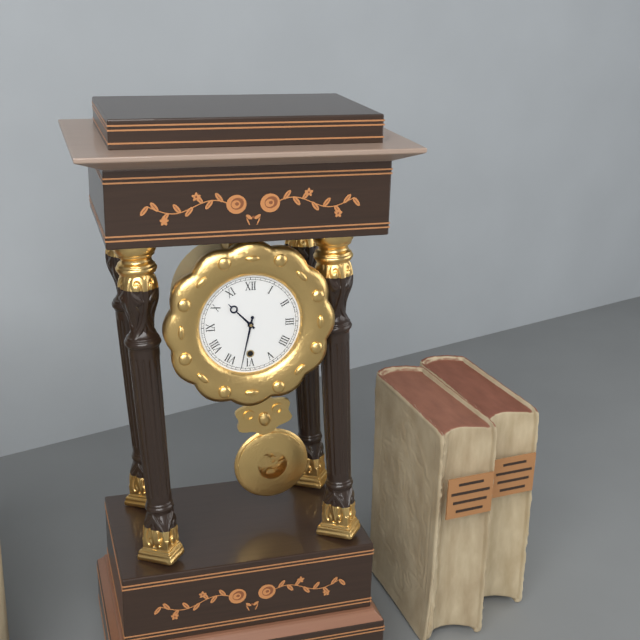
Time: **10:32**
